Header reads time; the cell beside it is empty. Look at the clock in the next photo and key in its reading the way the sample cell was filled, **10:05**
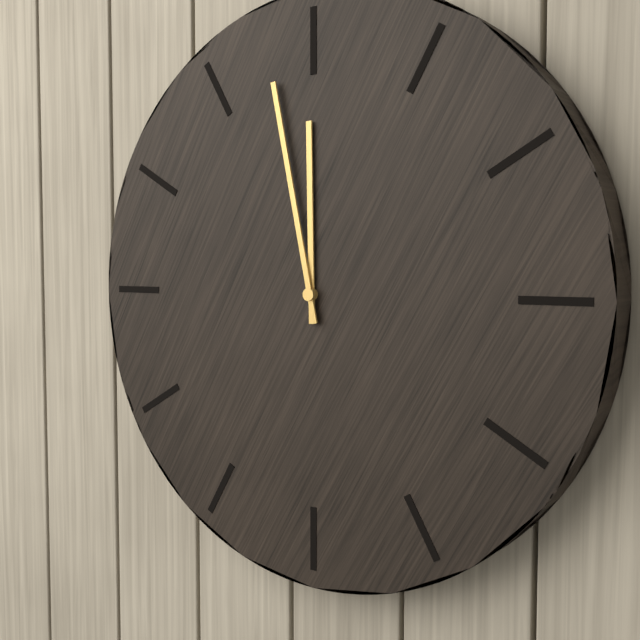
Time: **11:58**
